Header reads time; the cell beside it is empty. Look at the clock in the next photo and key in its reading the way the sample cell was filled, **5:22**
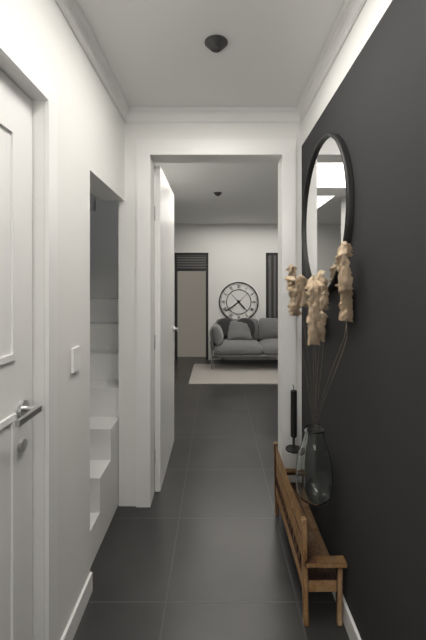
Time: **4:39**
